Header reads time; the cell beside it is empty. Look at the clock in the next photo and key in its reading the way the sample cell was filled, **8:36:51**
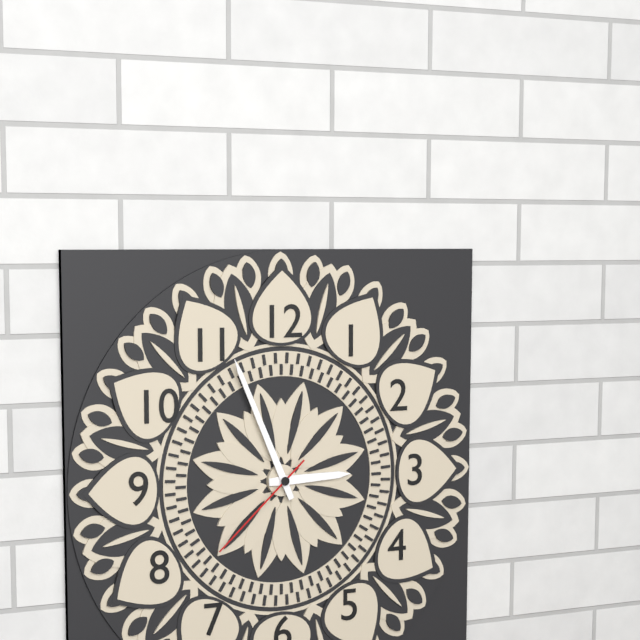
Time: **2:56:38**
